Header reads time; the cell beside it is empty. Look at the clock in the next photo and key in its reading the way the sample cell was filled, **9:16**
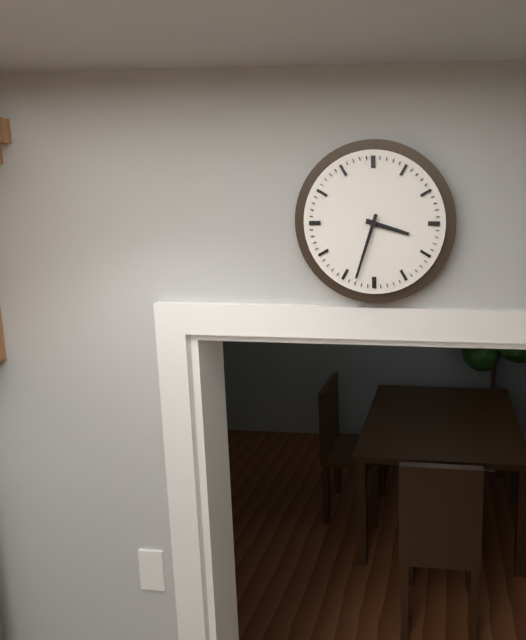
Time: **3:33**
